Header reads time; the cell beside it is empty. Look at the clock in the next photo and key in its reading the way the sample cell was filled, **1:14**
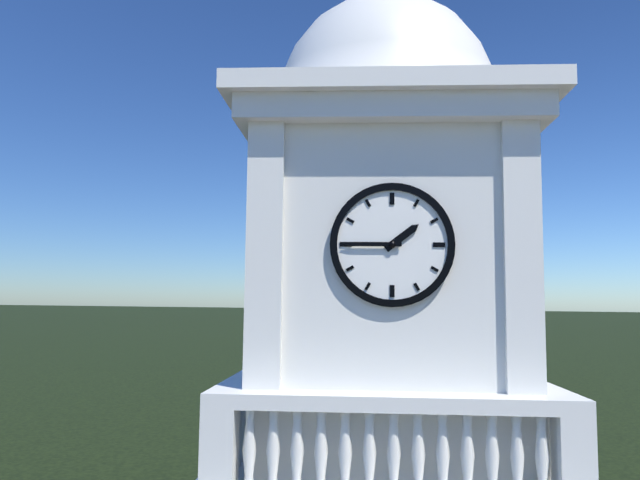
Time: **1:45**
